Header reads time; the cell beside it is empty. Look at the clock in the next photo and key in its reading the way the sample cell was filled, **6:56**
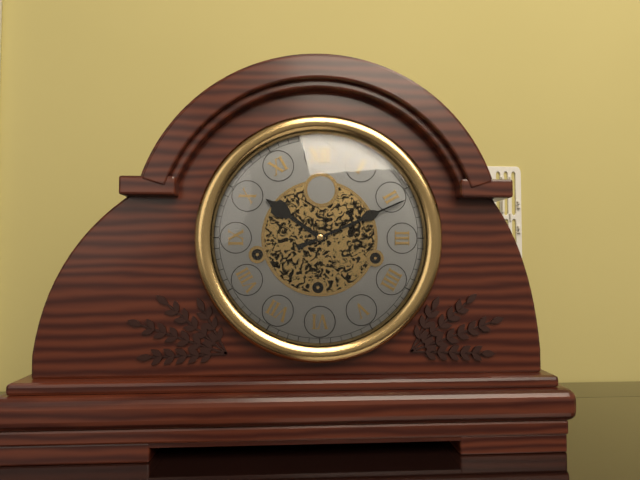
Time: **10:11**
